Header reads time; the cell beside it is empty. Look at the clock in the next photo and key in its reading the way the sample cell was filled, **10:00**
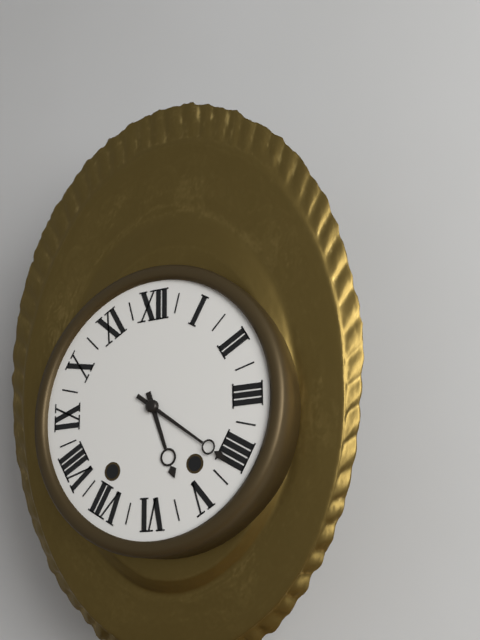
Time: **5:21**
